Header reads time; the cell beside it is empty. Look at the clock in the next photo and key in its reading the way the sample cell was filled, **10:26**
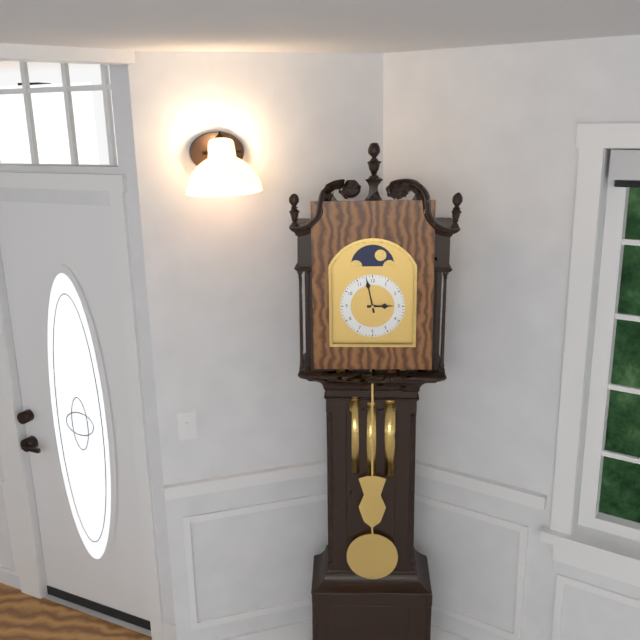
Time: **2:58**
